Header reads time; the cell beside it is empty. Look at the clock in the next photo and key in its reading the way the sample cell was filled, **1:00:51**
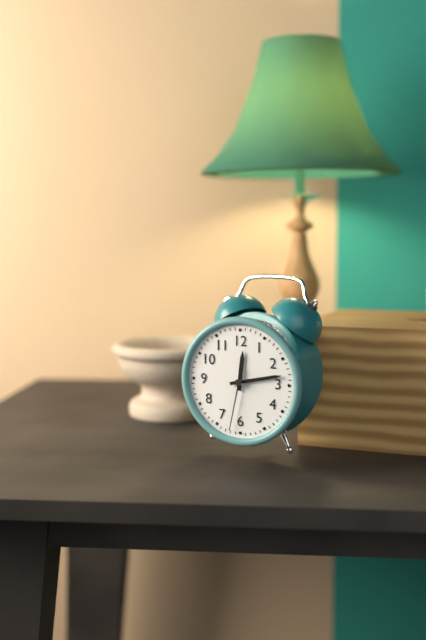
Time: **12:13:32**
